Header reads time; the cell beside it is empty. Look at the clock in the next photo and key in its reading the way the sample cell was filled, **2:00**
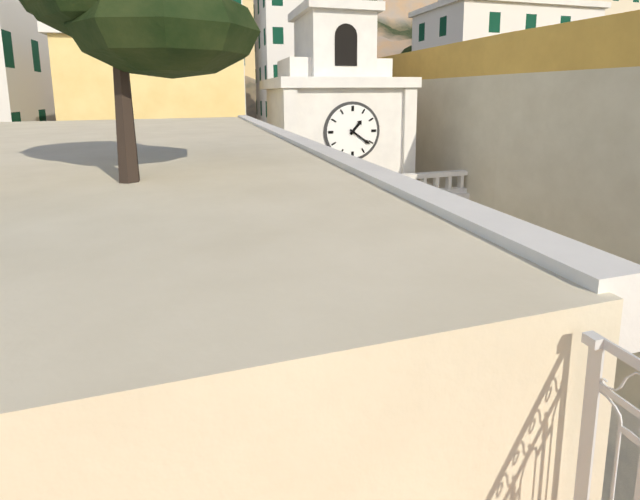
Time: **1:21**
